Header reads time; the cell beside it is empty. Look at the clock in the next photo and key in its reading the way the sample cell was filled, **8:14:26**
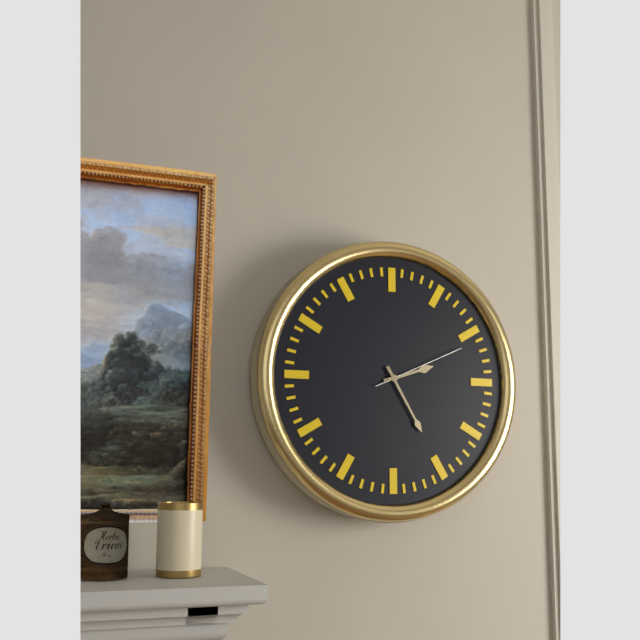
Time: **2:25:11**
